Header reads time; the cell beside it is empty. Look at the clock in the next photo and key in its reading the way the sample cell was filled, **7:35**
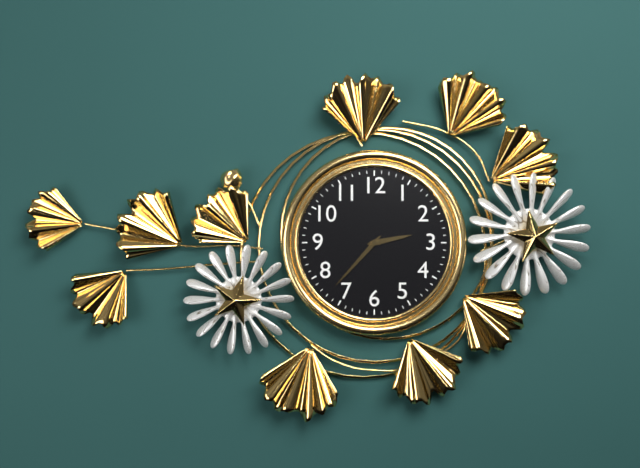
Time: **2:37**
